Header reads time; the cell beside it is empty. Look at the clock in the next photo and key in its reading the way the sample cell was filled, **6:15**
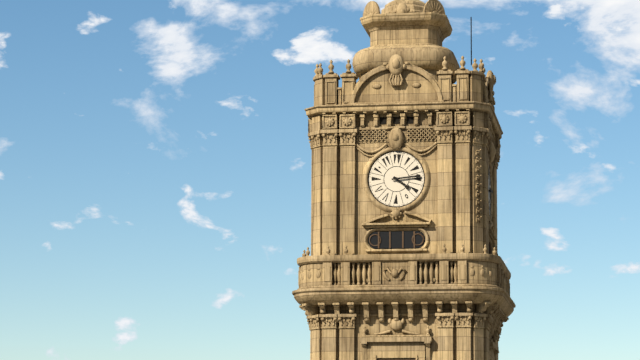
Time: **4:14**
